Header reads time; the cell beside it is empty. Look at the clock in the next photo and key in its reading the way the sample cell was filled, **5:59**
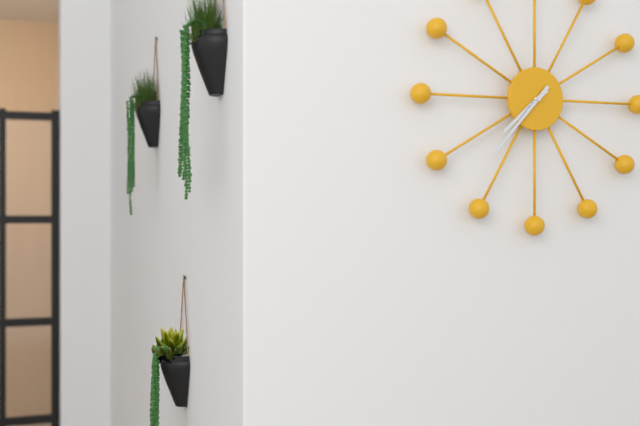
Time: **7:37**
